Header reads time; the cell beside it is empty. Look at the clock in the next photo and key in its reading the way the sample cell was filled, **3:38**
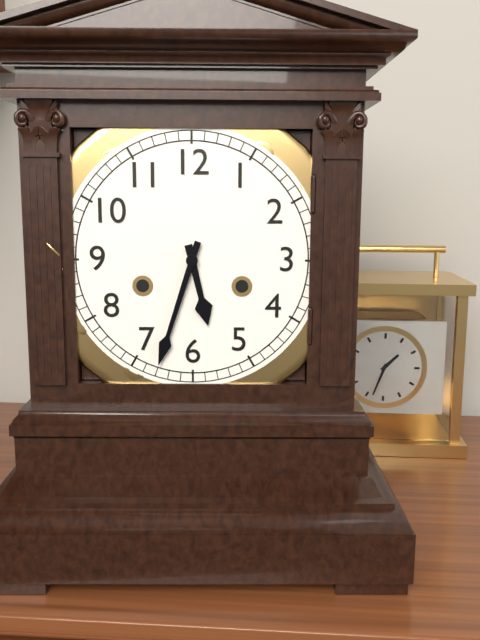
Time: **5:33**
